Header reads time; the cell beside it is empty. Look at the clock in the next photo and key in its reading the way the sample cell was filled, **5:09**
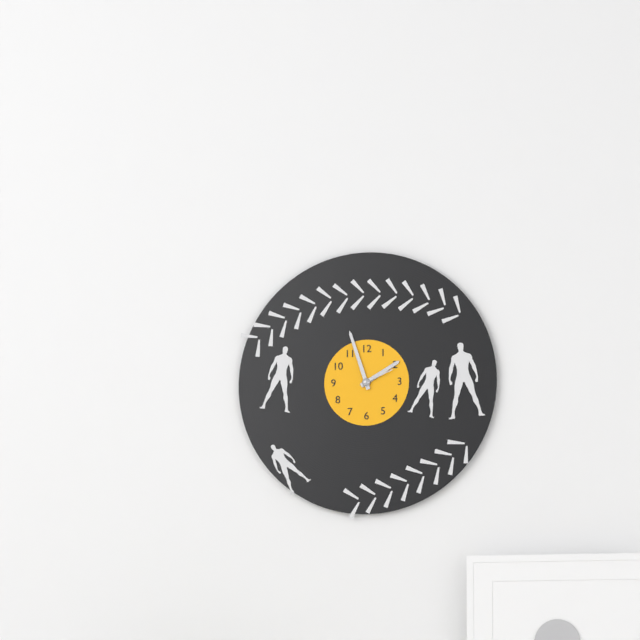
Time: **1:57**
